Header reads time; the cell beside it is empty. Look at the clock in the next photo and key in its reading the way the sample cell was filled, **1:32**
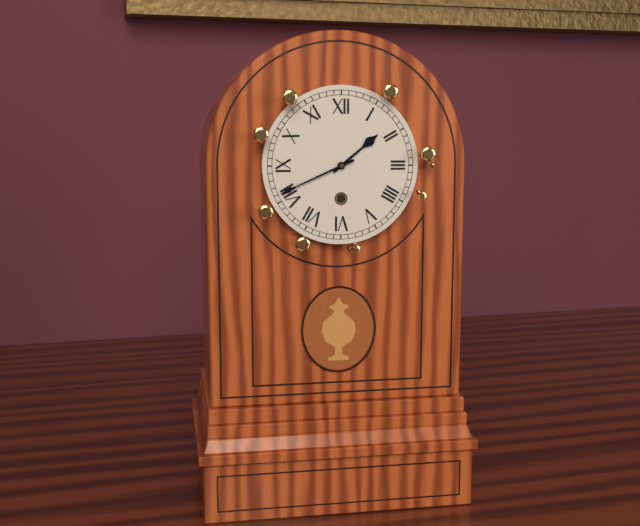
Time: **1:41**
